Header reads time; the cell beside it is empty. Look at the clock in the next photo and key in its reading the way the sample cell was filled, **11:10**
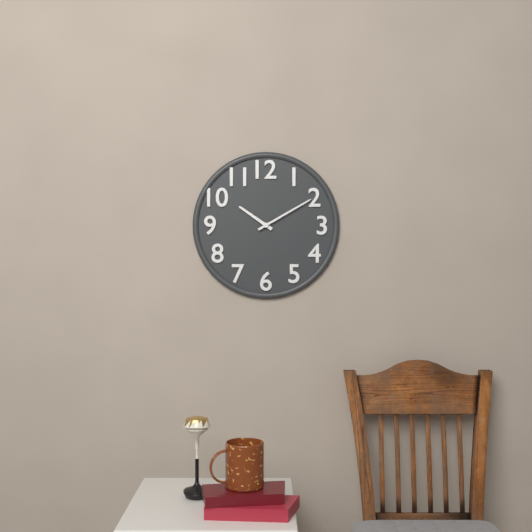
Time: **10:10**
